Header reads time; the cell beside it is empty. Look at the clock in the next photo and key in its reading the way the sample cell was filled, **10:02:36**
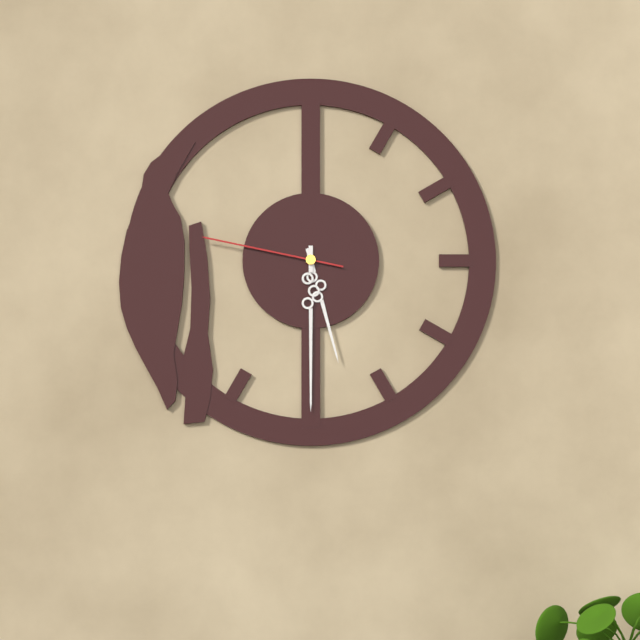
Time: **5:30:47**
